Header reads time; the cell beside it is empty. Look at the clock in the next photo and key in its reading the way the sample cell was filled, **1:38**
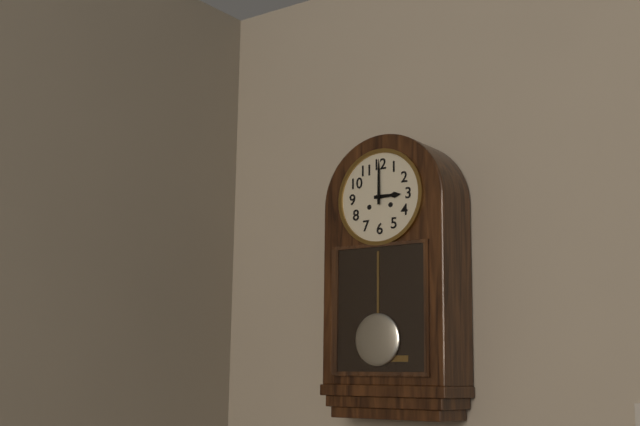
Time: **3:00**
